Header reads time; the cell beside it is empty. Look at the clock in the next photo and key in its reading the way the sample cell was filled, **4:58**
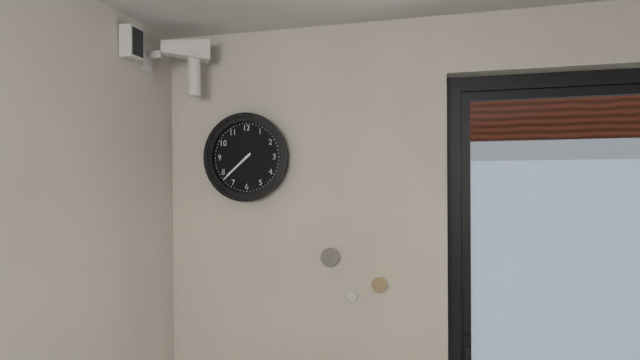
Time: **7:38**
